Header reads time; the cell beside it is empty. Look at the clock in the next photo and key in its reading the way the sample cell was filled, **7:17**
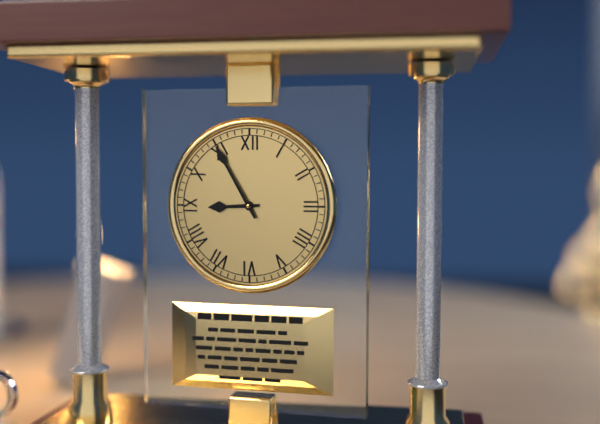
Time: **8:55**
